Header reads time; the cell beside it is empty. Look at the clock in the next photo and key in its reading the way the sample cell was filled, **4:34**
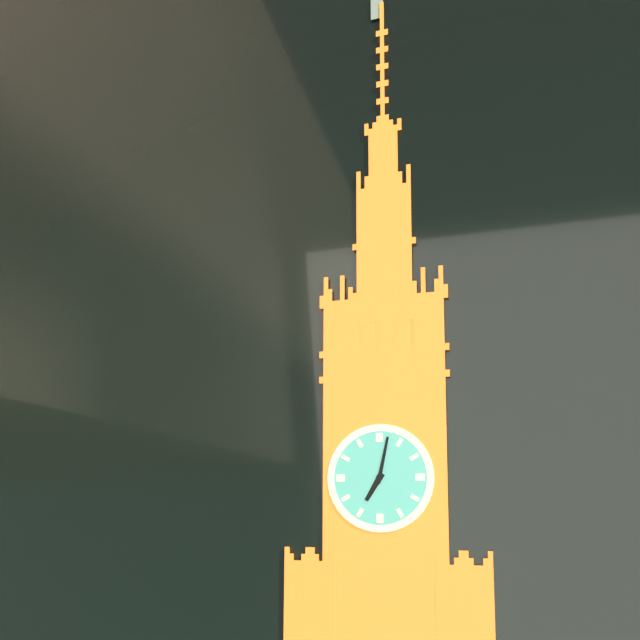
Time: **7:02**
